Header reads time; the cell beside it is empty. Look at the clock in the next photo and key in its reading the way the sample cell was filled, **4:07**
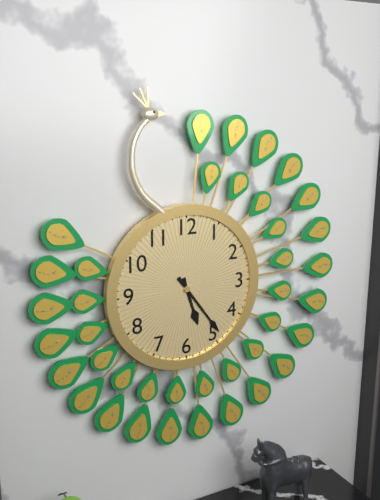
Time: **5:24**
